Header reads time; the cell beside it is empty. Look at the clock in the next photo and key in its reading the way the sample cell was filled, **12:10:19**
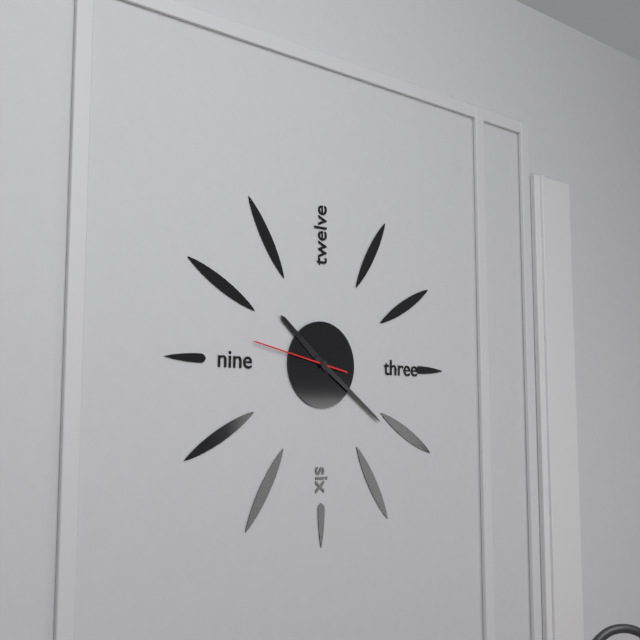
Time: **10:21:47**
